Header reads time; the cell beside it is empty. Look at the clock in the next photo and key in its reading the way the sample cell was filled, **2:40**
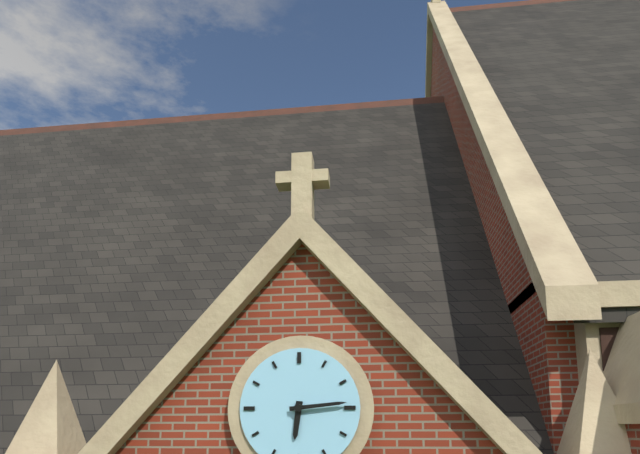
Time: **6:14**
